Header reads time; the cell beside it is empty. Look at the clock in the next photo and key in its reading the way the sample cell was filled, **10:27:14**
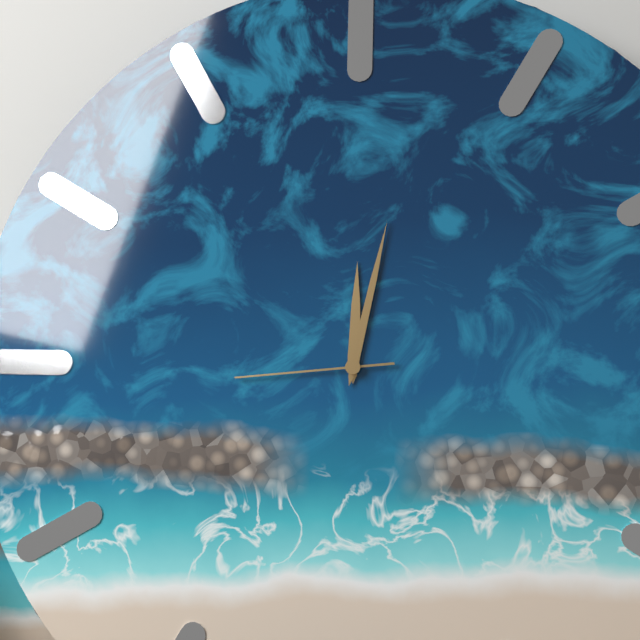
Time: **12:02:44**
